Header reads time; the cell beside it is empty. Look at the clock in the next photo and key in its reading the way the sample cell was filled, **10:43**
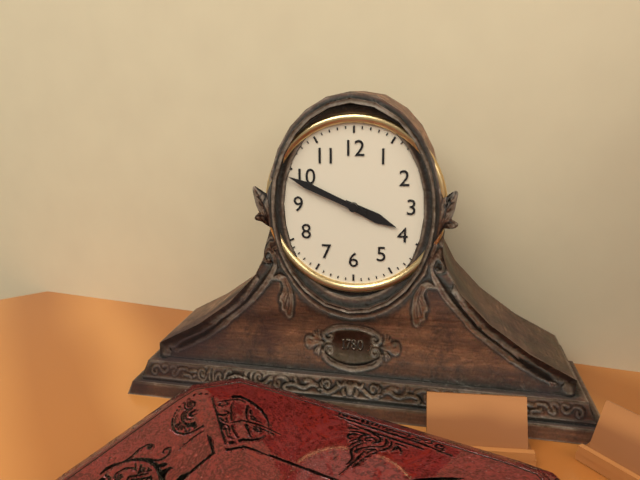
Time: **3:49**
